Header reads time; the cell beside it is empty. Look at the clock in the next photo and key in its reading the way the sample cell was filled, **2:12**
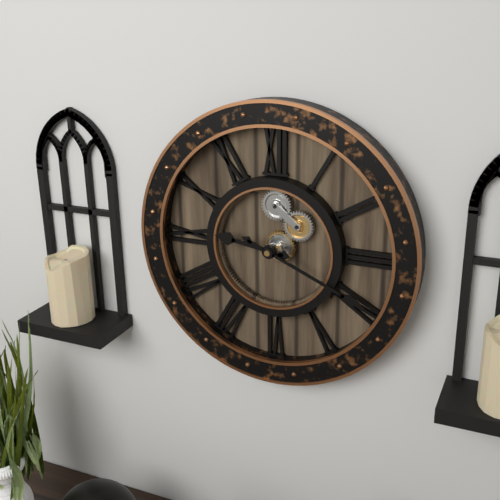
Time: **9:19**
